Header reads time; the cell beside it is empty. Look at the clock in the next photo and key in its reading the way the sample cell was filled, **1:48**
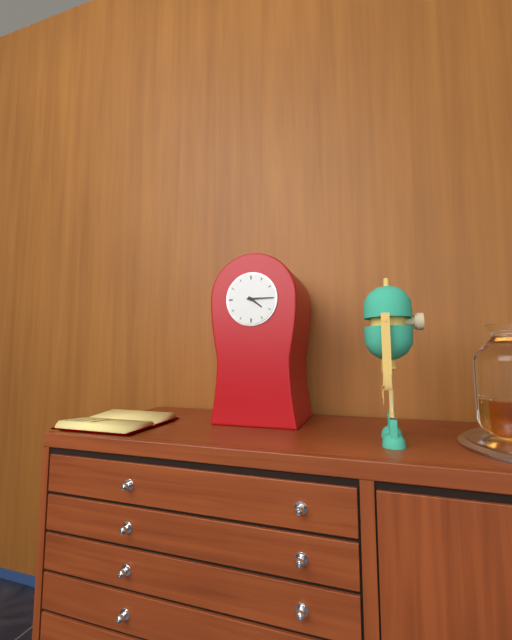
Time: **4:15**
